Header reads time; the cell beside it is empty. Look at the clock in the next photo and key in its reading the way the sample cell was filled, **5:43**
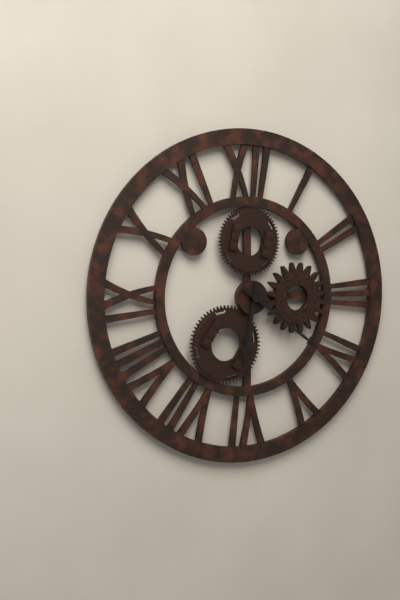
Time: **6:21**
